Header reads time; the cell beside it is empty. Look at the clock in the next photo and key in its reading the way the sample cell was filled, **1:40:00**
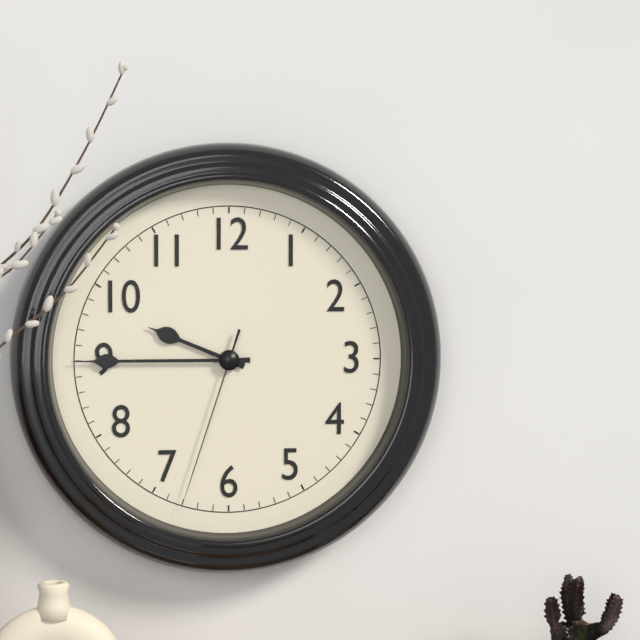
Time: **9:45:33**
